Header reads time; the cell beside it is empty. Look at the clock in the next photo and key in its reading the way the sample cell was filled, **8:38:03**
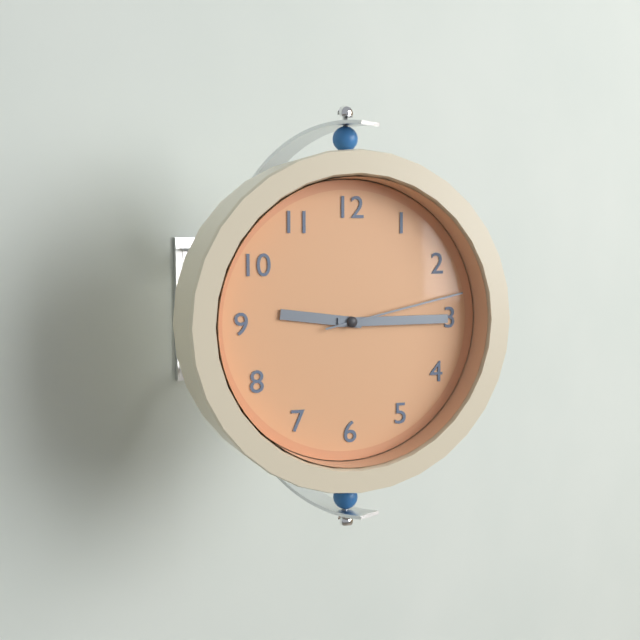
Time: **9:15:13**
